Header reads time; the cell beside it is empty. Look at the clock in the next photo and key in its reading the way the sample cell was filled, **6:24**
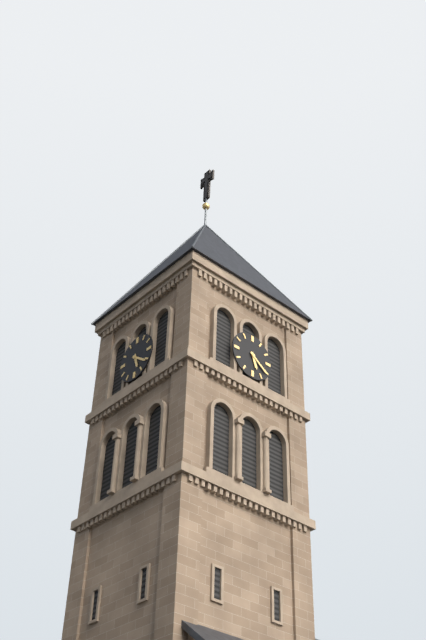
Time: **5:21**
